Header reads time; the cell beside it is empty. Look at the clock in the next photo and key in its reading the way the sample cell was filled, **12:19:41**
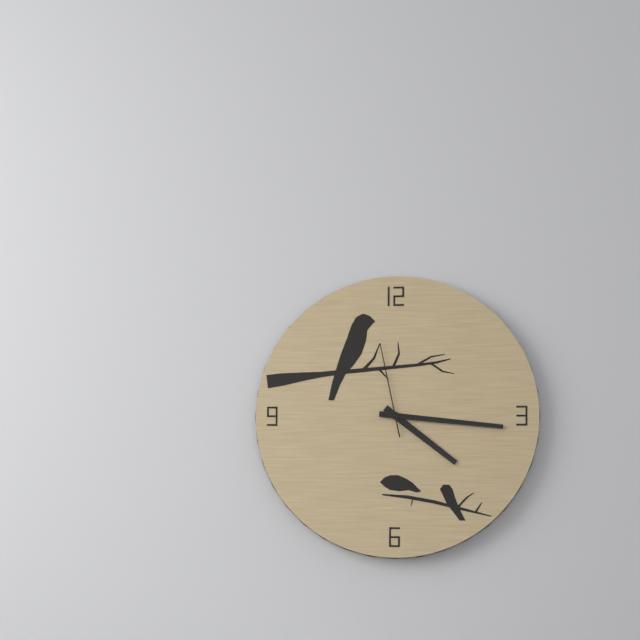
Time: **4:16:58**
